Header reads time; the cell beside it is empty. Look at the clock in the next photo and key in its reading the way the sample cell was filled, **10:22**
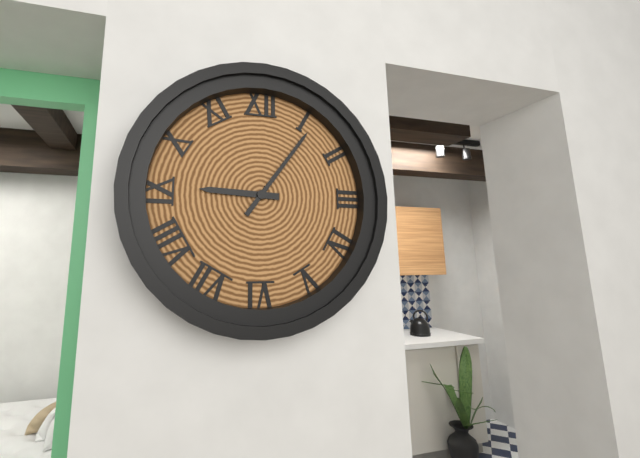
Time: **9:06**
